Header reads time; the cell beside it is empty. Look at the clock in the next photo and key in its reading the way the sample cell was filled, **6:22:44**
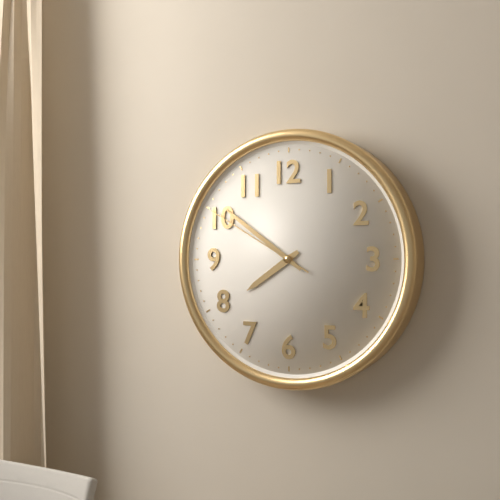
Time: **7:51:50**
